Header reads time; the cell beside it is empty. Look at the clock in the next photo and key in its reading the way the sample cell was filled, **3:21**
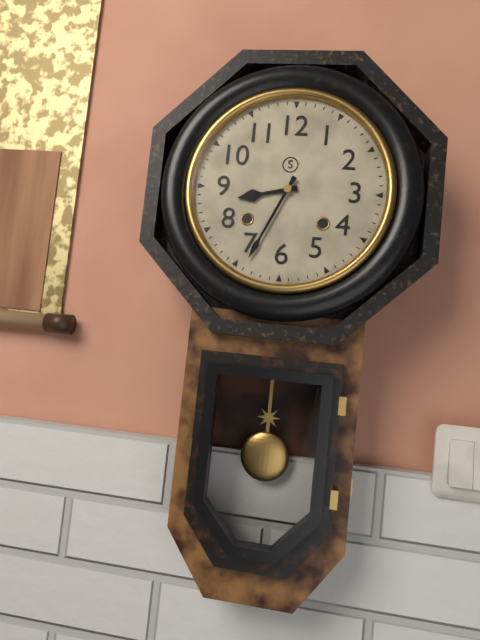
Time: **8:34**
